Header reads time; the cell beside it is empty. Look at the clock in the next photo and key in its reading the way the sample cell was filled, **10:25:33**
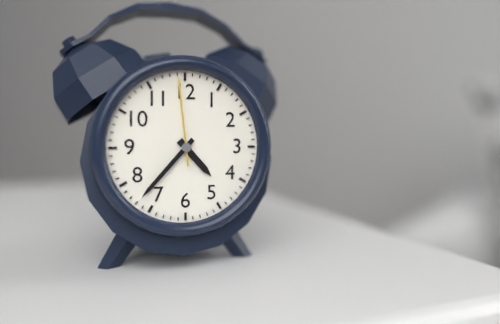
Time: **4:37:59**
